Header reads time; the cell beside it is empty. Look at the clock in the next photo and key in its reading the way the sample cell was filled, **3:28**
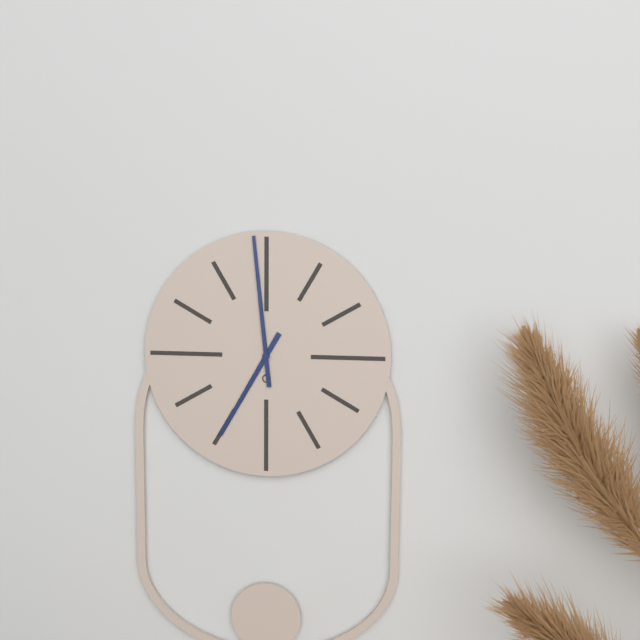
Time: **6:59**
